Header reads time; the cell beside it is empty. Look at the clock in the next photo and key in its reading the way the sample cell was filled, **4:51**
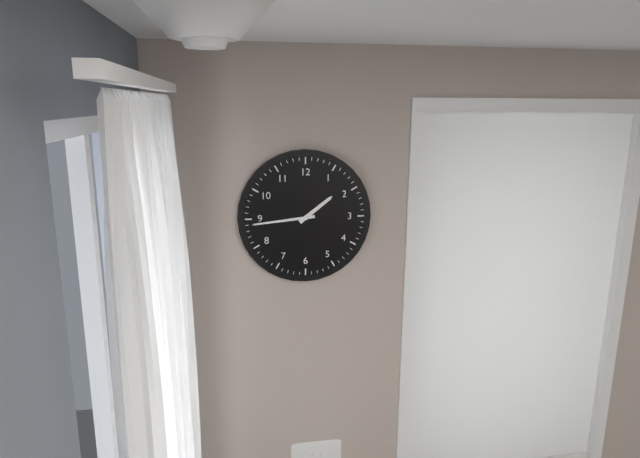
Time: **1:44**
